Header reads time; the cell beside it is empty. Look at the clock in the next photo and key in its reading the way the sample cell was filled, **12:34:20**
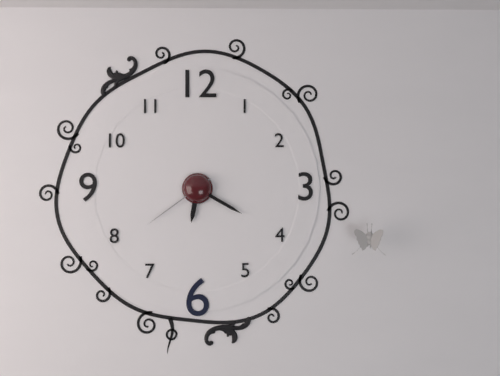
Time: **6:20:39**
